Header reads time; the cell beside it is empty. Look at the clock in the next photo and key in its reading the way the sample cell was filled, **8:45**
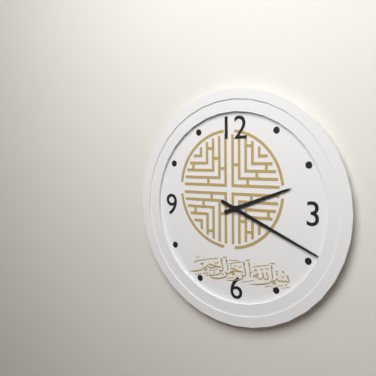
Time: **2:19**
